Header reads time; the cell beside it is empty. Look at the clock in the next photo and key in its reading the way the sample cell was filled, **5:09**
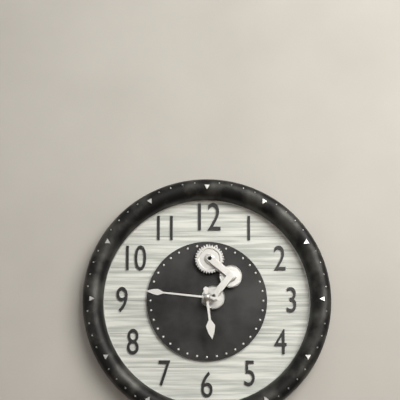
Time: **5:46**
